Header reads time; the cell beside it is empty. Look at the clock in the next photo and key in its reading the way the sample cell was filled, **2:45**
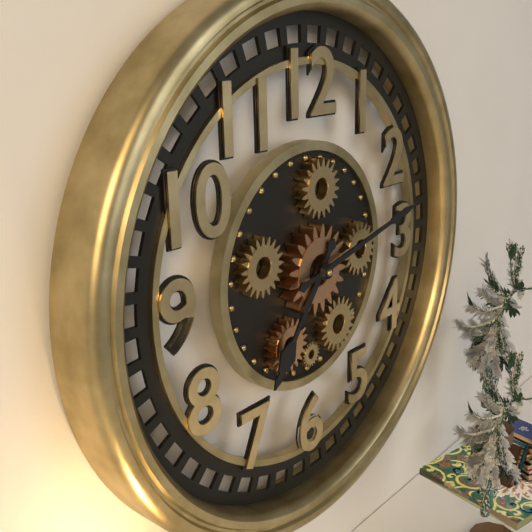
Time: **7:13**
